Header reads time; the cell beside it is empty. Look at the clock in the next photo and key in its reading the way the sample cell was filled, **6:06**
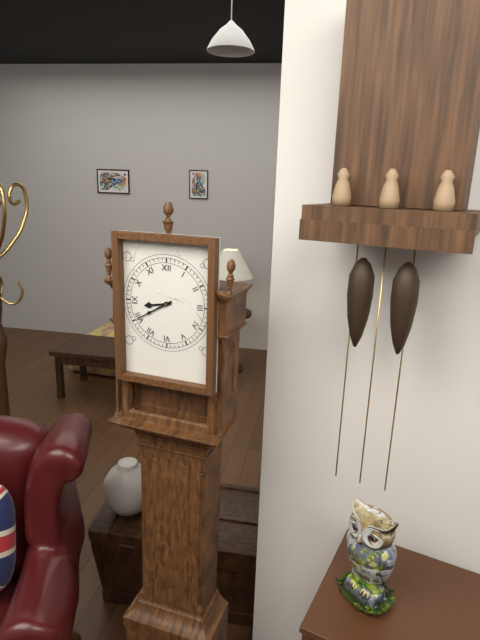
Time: **8:40**
